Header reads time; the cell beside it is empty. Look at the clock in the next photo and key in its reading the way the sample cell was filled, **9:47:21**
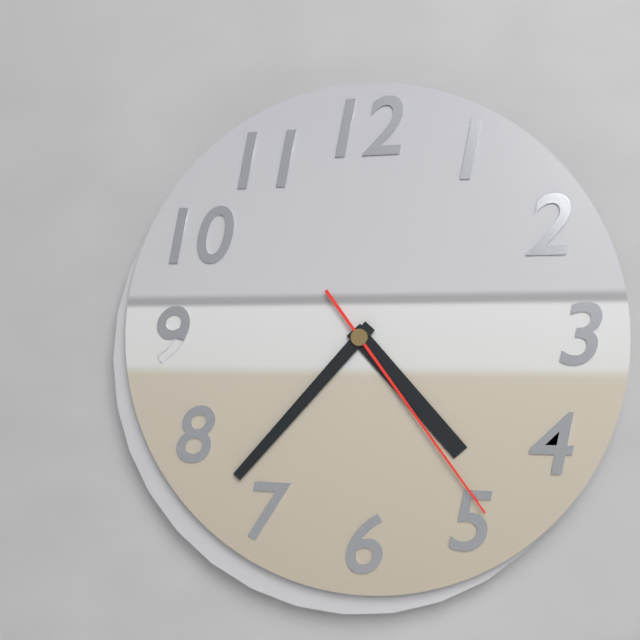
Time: **4:37:24**
